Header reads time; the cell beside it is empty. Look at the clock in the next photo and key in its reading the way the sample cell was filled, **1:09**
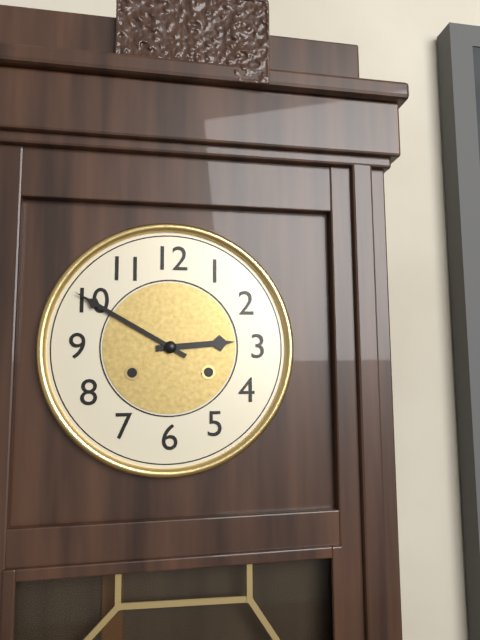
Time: **2:50**
